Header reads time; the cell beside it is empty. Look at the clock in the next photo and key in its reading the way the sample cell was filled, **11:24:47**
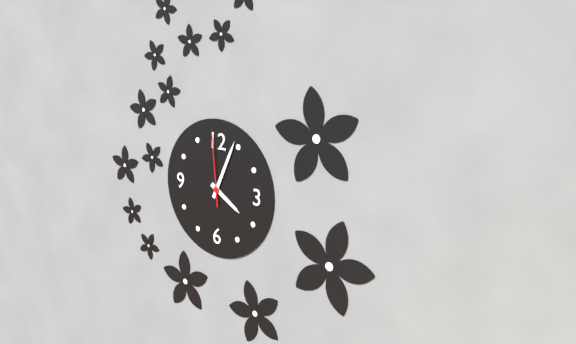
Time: **4:04:59**
